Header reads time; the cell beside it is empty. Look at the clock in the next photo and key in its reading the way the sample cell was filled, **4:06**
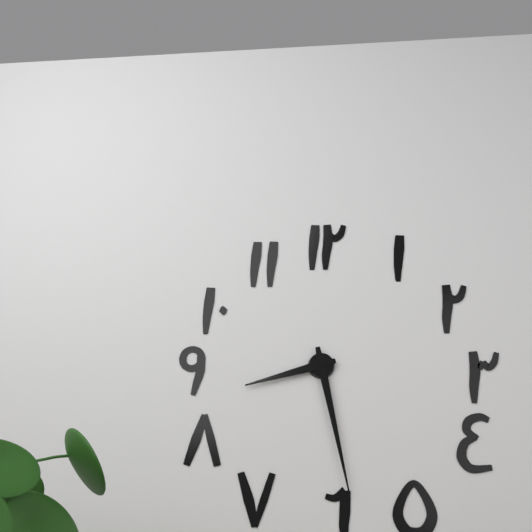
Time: **8:28**
